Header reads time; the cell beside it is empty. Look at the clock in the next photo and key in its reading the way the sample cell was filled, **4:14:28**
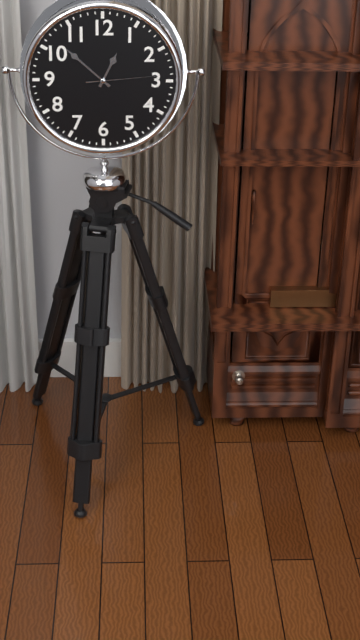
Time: **12:52:14**
